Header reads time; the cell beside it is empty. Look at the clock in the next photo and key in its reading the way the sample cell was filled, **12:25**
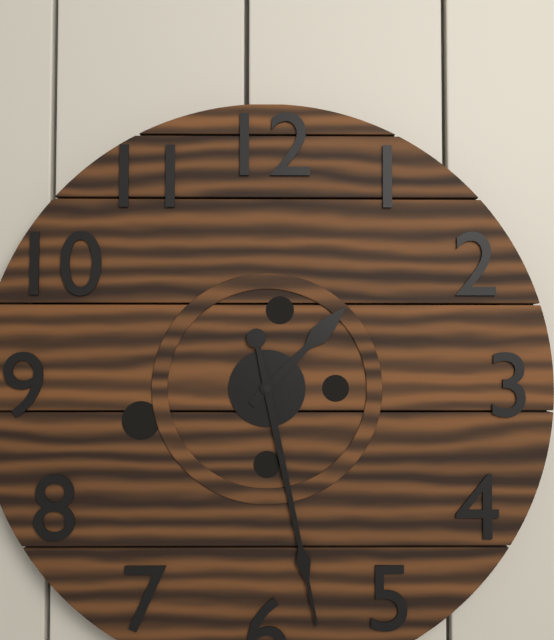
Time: **1:28**
